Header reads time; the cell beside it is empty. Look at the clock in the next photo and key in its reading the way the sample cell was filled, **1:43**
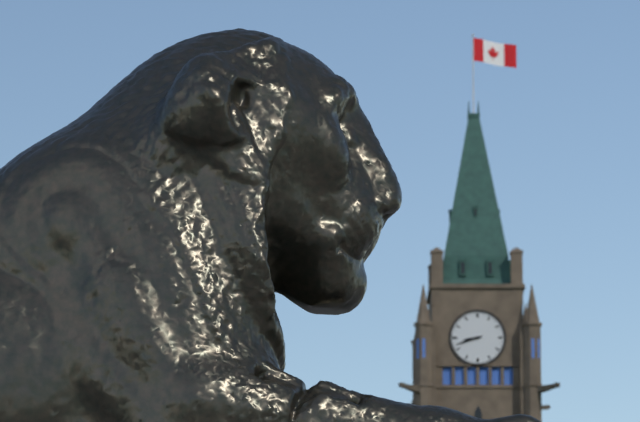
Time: **8:42**
